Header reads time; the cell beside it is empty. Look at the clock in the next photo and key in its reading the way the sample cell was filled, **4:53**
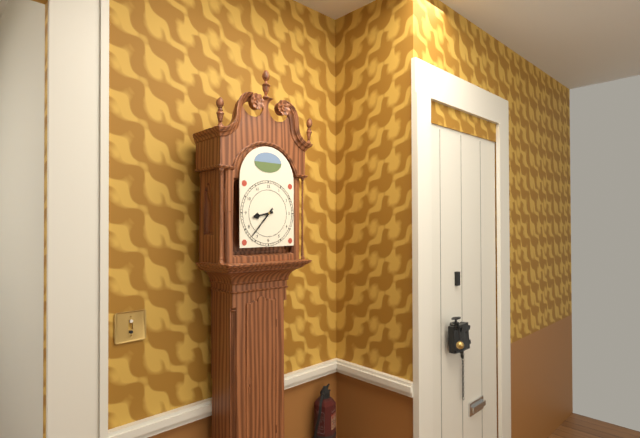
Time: **8:37**
